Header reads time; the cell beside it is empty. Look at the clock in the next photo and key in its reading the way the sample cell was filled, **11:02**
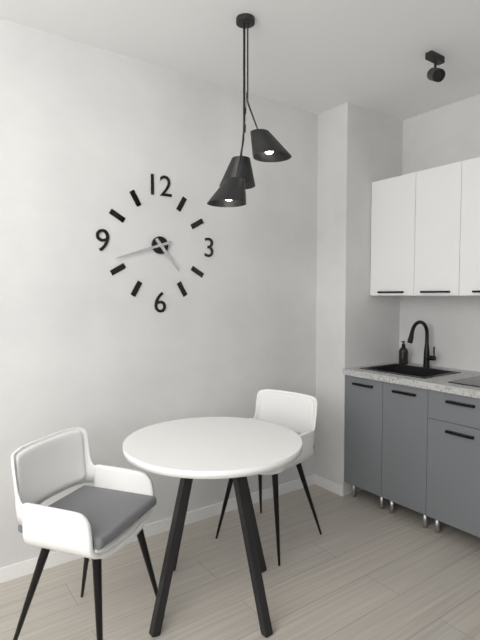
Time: **4:42**
